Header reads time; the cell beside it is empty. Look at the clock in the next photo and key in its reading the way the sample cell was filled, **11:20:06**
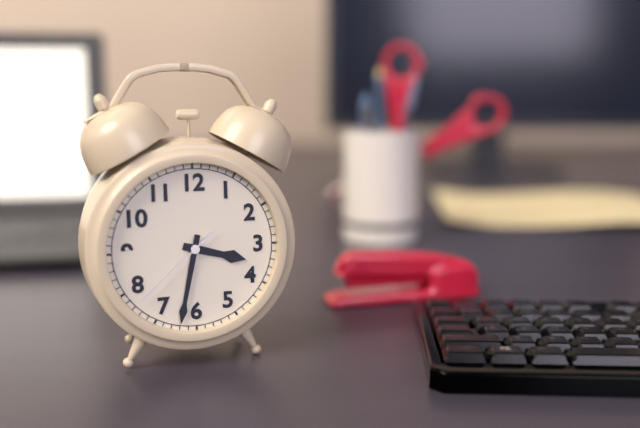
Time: **3:32:38**
